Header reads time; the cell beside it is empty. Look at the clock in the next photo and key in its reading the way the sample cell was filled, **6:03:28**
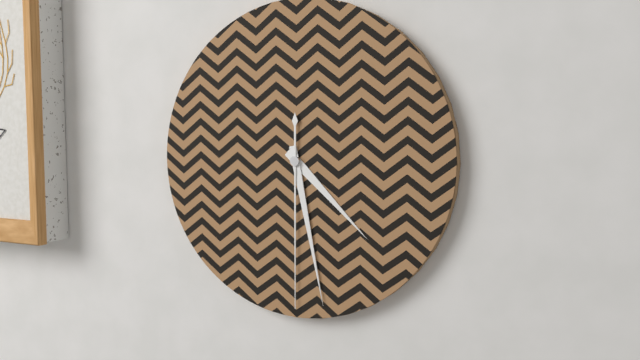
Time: **4:28:30**
